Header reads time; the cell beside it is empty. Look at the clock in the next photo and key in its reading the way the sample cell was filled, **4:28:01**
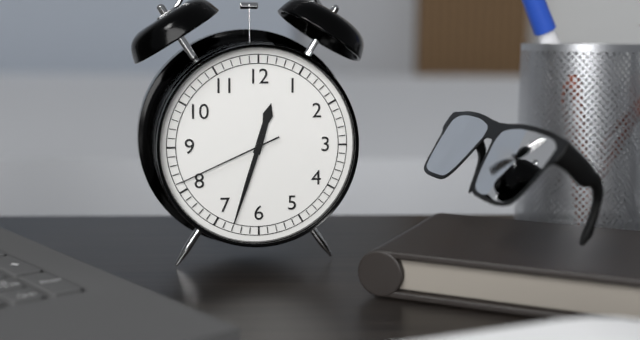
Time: **12:33:41**
